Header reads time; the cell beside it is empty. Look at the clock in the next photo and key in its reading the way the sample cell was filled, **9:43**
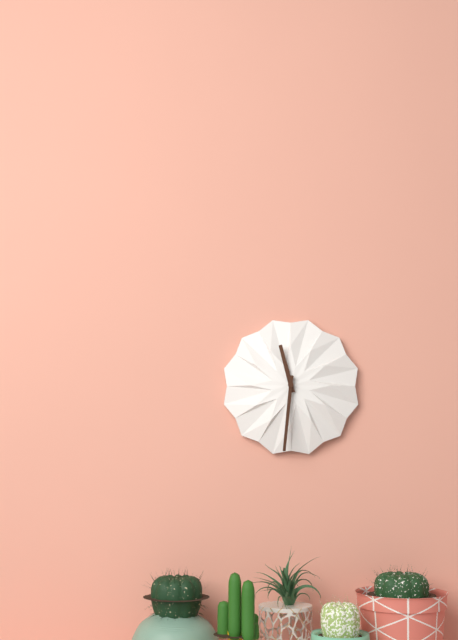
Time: **11:31**
